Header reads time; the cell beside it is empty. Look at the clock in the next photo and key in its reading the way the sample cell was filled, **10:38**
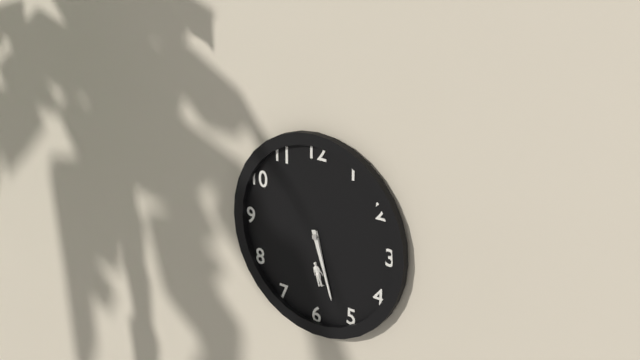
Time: **5:27**
